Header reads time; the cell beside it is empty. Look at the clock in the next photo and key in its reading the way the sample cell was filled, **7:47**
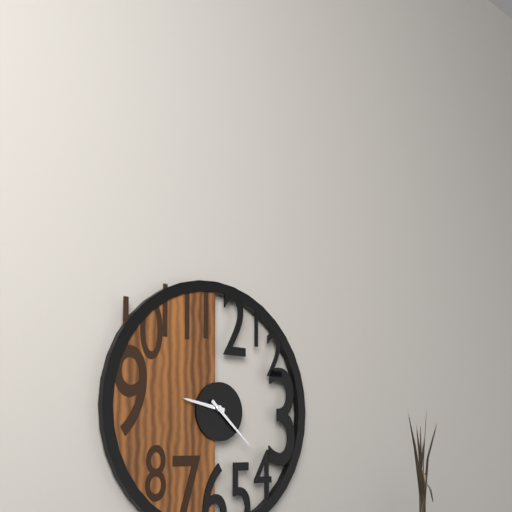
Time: **9:22**
